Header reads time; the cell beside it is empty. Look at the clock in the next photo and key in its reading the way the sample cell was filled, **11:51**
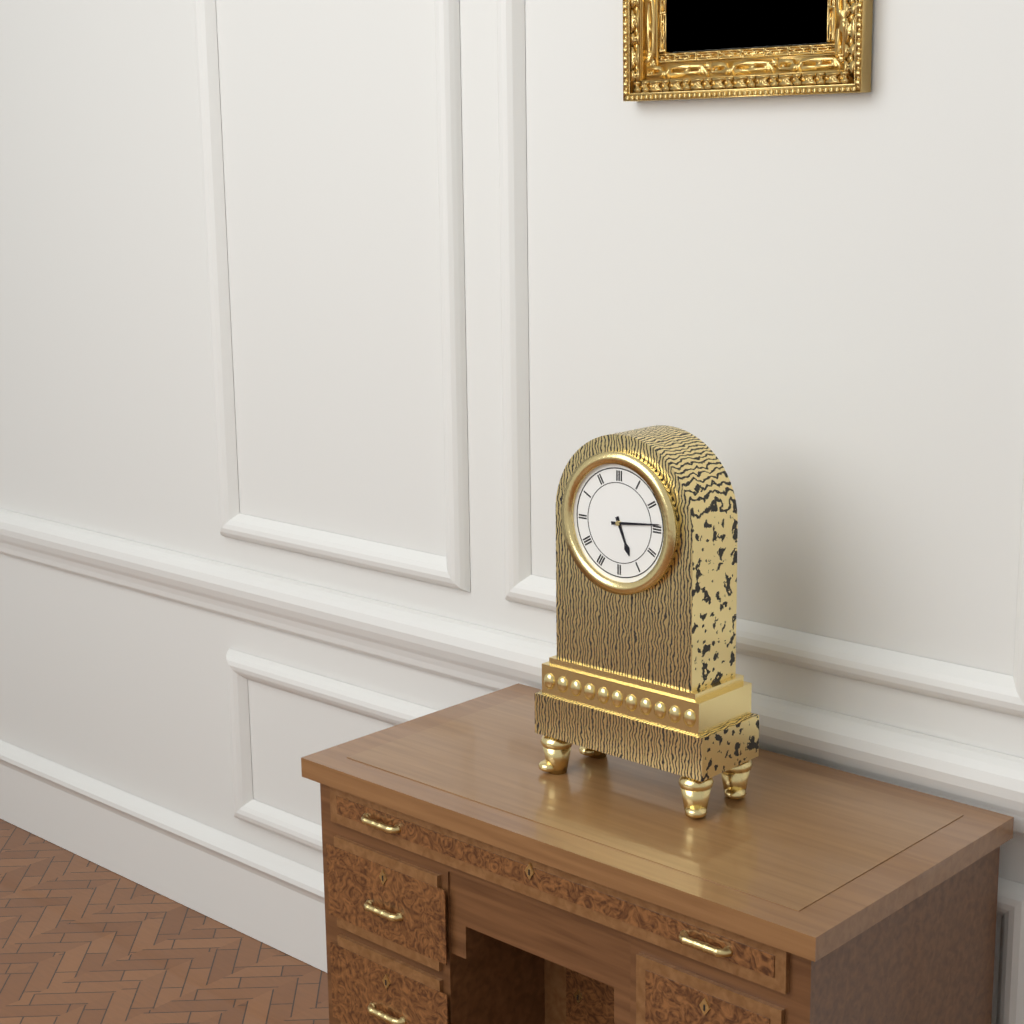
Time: **5:14**
